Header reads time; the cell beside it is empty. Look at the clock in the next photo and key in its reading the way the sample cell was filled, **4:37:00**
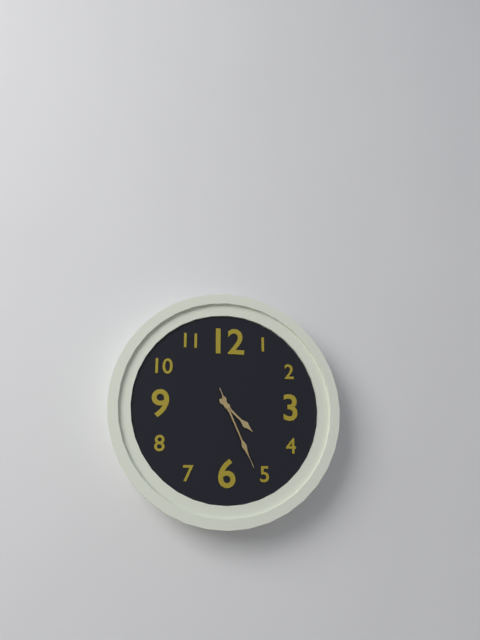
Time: **4:26:26**
